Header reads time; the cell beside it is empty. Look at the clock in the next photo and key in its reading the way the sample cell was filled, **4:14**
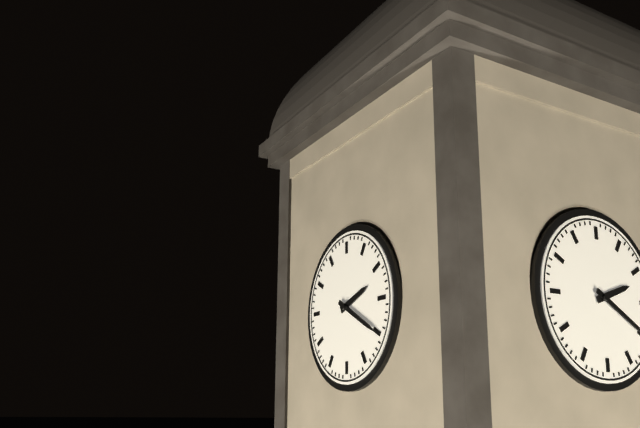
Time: **2:20**
